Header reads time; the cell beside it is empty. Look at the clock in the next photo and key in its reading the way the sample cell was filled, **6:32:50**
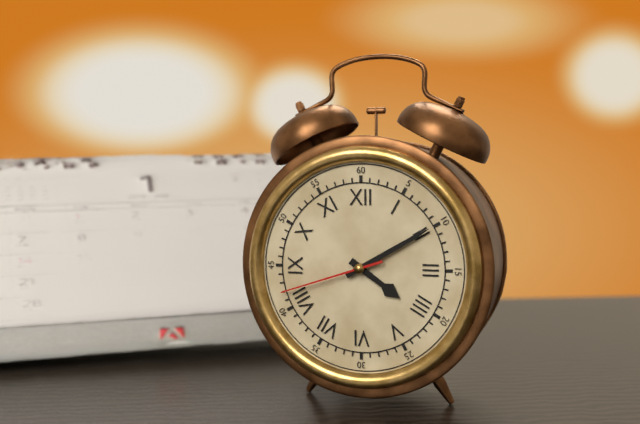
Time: **4:10:42**
